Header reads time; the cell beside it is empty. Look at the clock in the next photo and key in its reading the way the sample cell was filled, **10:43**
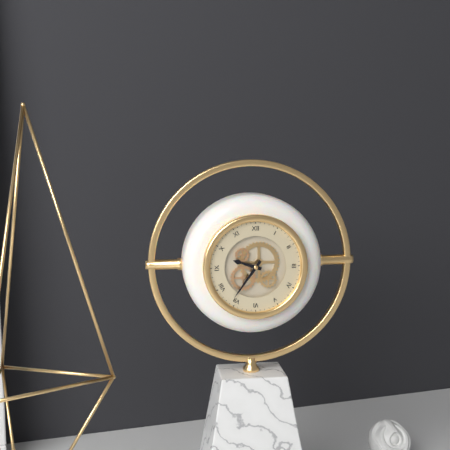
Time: **9:36**
